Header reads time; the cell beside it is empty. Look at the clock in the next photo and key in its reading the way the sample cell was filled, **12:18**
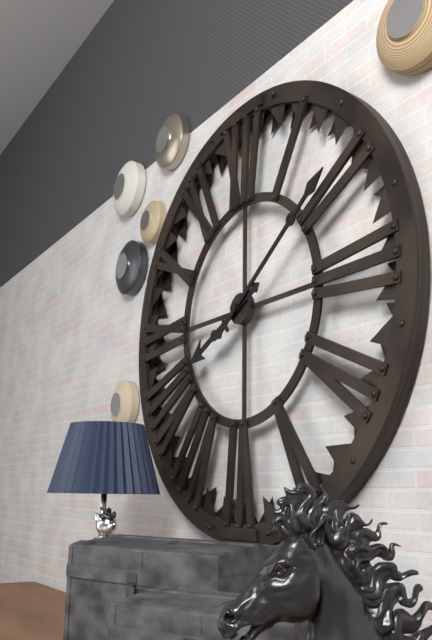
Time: **8:09**
